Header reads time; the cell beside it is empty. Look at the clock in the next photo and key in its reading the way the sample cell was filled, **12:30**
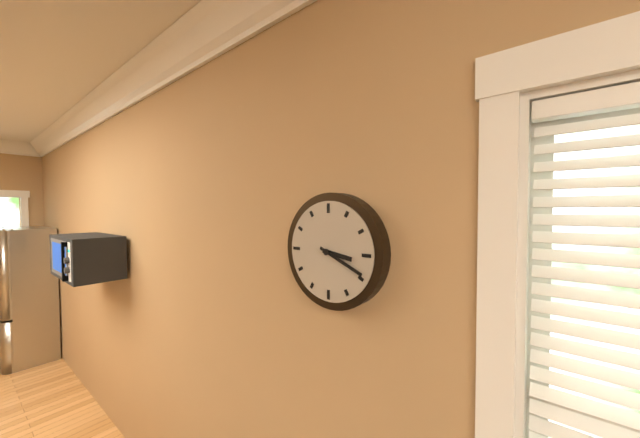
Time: **3:19**
